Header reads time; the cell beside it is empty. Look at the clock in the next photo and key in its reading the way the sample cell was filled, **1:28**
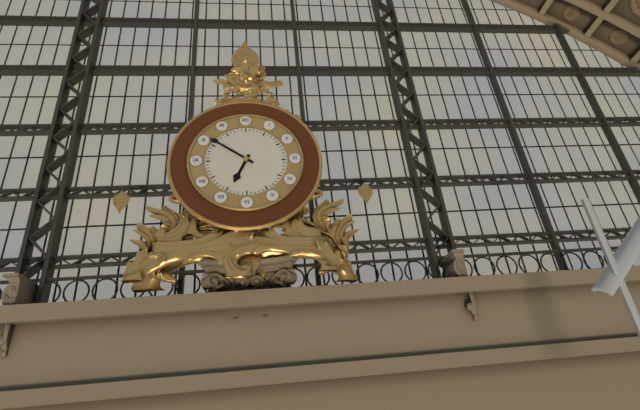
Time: **6:51**
